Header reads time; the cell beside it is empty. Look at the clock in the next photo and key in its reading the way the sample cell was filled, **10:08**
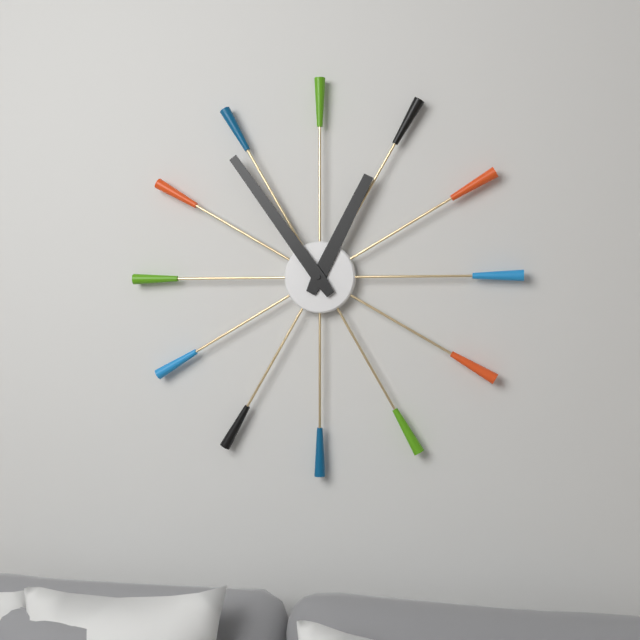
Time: **12:54**
